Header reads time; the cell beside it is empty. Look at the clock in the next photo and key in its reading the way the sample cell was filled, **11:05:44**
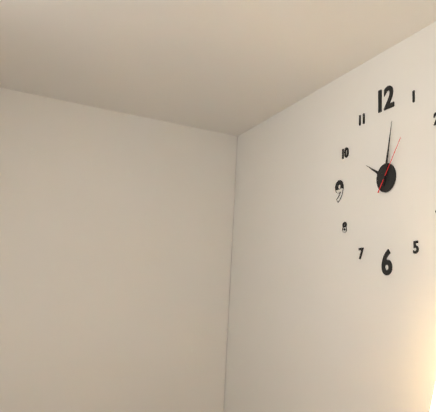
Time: **10:02:06**
